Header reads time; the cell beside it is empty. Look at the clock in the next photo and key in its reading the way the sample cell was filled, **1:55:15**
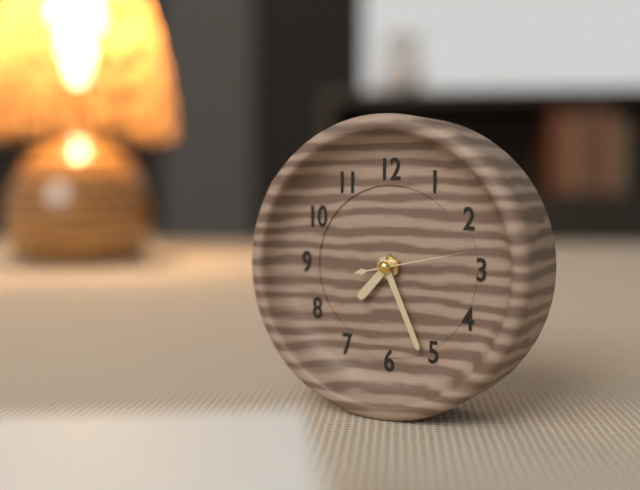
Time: **7:26:13**
